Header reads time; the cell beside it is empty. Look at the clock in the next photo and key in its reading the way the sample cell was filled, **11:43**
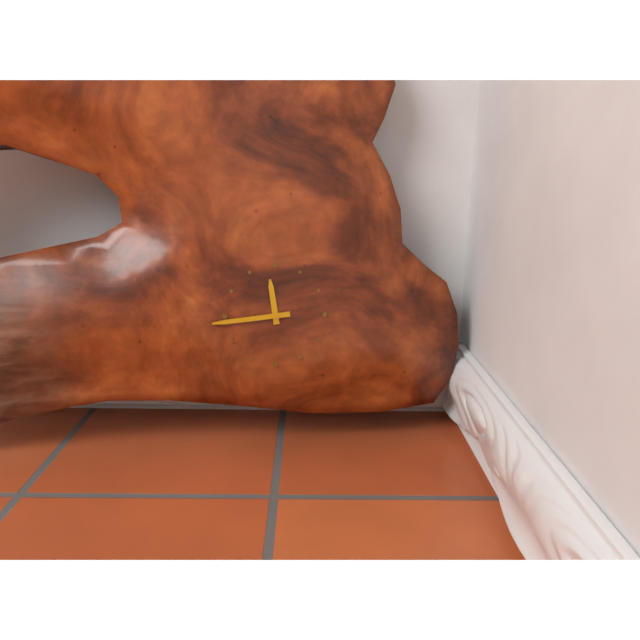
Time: **11:44**
